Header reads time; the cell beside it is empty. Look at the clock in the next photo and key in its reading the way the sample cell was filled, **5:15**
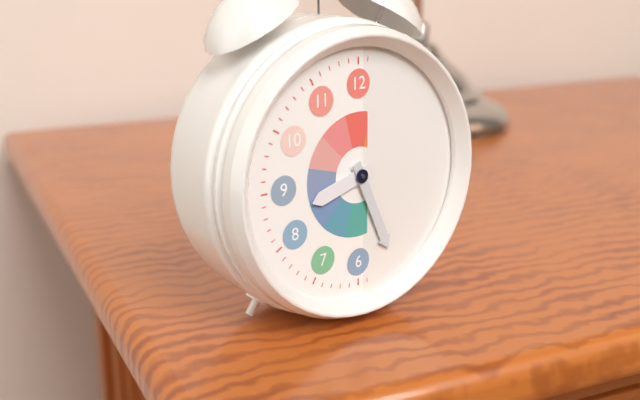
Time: **8:26**
